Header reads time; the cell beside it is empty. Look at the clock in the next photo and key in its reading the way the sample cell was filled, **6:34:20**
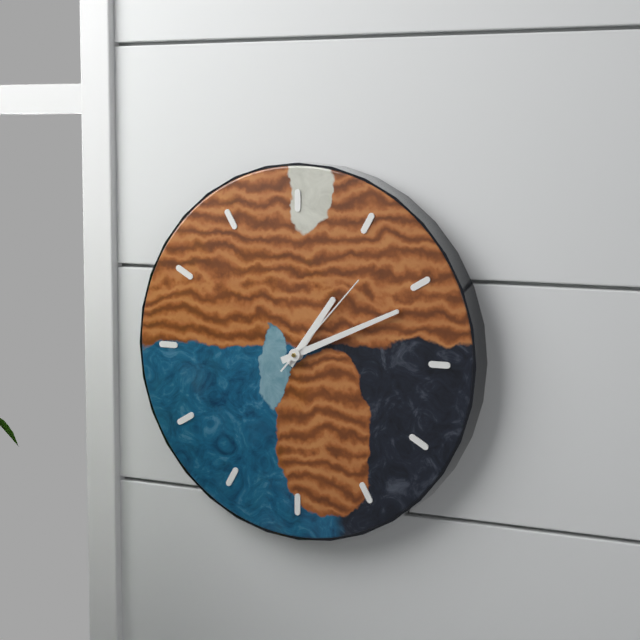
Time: **1:11:07**
